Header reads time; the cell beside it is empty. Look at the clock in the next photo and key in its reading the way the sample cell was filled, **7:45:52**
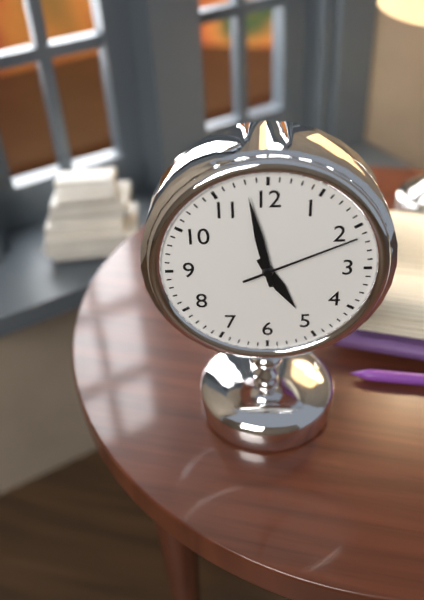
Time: **4:58:11**
